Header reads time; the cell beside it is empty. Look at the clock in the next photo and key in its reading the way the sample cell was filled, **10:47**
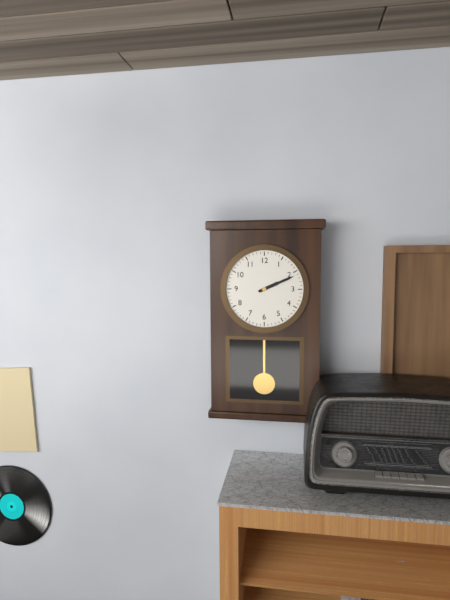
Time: **2:11**
